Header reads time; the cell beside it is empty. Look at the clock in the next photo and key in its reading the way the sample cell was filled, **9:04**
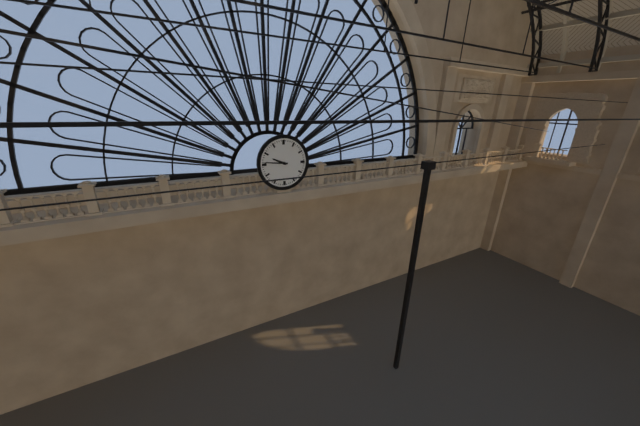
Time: **9:46**
